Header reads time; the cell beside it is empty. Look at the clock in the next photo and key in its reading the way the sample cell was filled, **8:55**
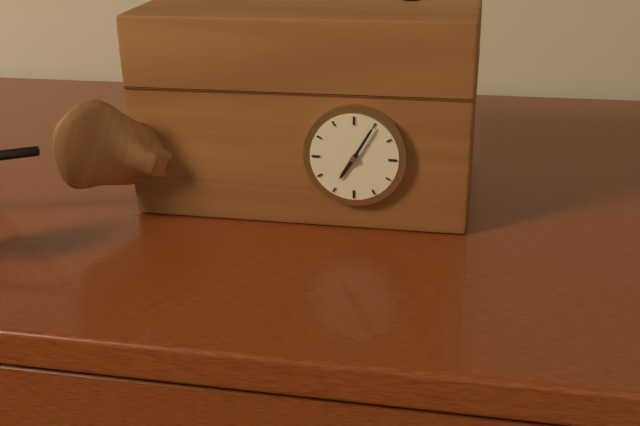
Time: **7:05**
